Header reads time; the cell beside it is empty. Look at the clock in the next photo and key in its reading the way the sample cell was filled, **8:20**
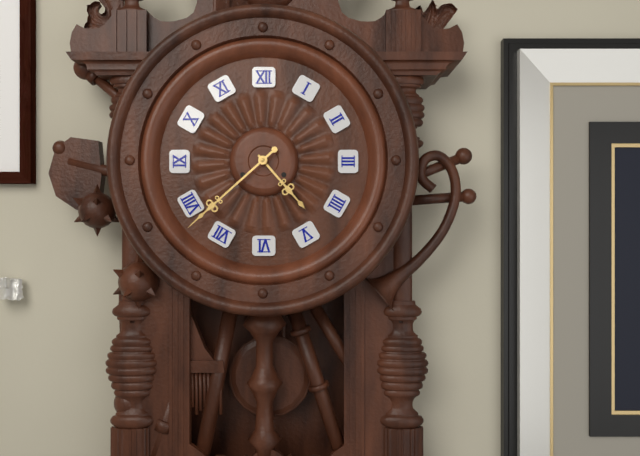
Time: **4:38**
